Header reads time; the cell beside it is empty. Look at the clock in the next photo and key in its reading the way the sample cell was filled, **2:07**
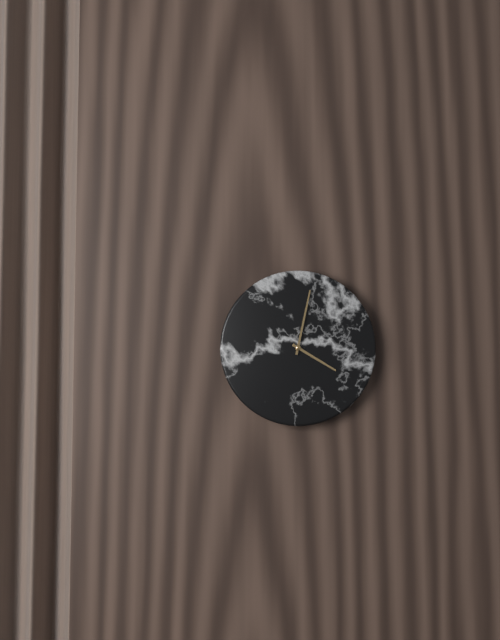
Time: **4:02**
